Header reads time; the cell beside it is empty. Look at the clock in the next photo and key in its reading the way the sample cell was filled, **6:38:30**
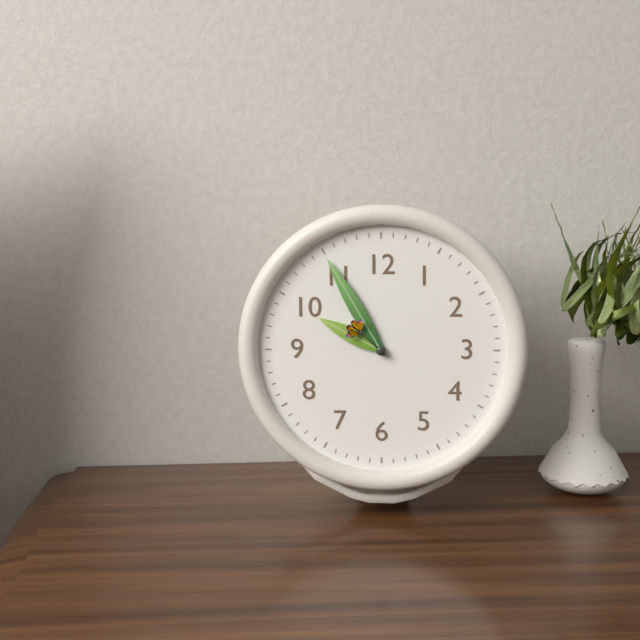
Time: **9:55:52**
